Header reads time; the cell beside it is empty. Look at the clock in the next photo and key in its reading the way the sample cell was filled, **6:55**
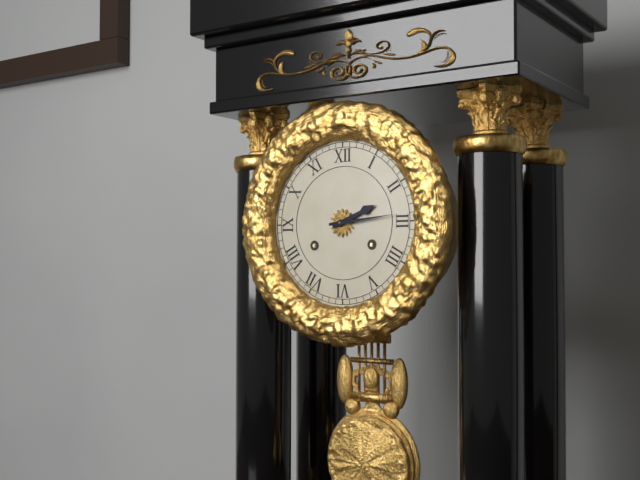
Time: **2:14**
